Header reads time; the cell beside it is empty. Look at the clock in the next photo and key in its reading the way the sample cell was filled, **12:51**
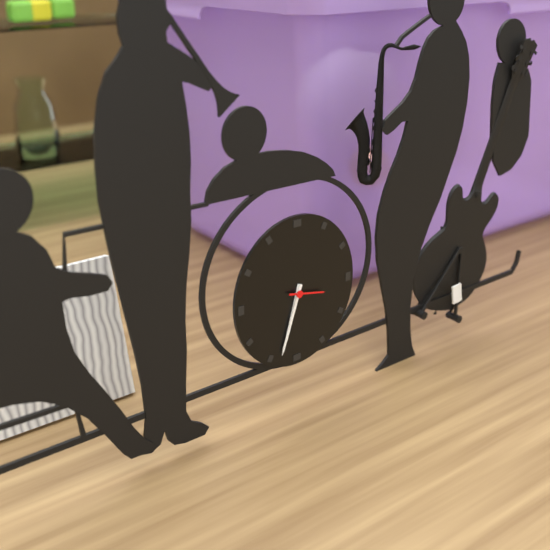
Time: **6:33**
